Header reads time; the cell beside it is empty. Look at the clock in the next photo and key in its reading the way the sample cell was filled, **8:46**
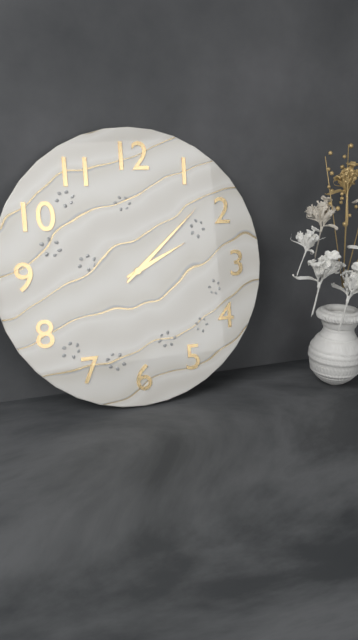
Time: **2:08**
